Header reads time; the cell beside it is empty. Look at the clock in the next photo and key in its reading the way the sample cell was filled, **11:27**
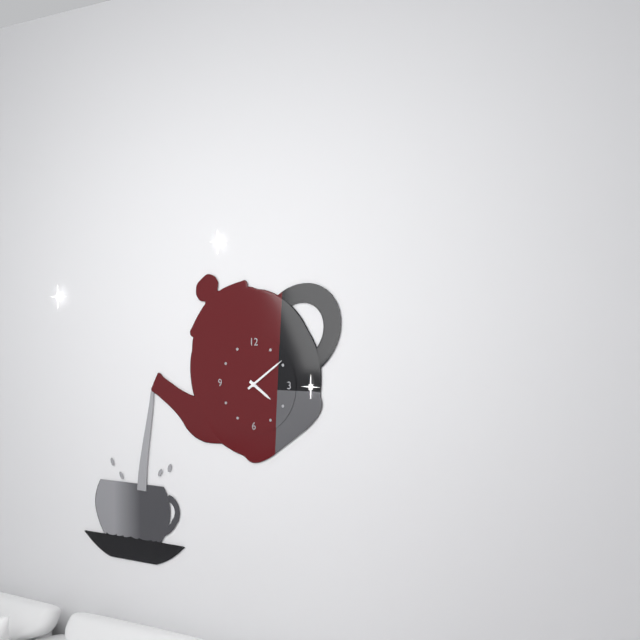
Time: **4:09**
